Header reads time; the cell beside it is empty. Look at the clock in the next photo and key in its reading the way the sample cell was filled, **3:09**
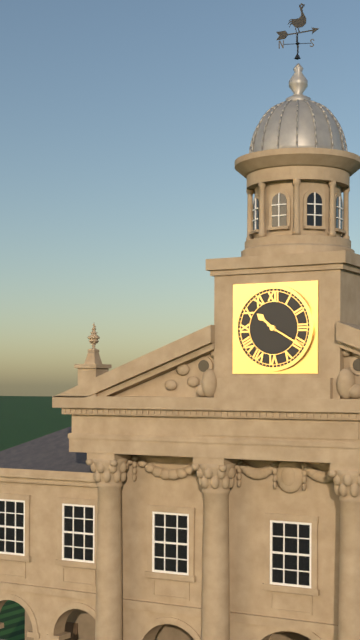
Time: **10:20**
